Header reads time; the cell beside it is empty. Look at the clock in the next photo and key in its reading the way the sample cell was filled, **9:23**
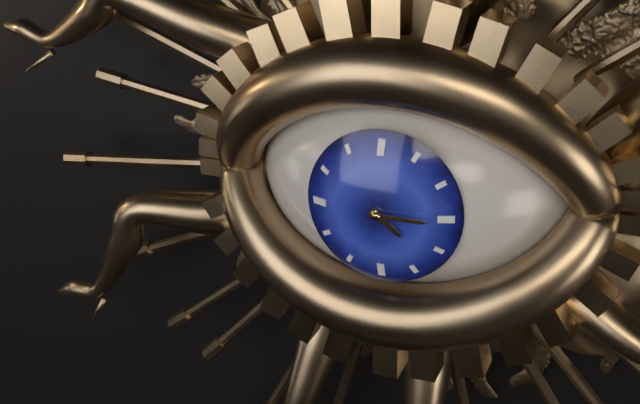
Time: **4:15**
